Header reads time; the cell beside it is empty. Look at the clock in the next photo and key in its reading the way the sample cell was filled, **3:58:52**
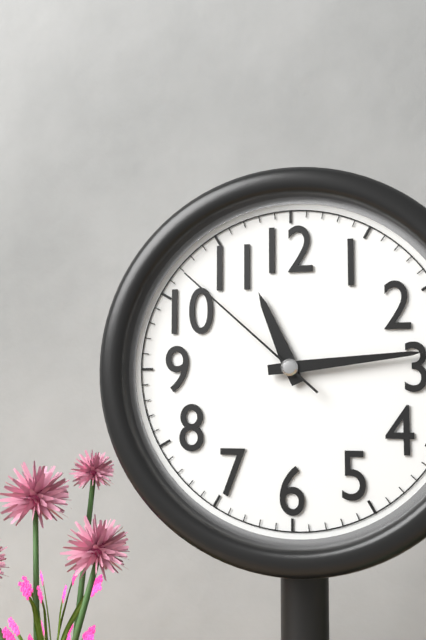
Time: **11:14:52**
